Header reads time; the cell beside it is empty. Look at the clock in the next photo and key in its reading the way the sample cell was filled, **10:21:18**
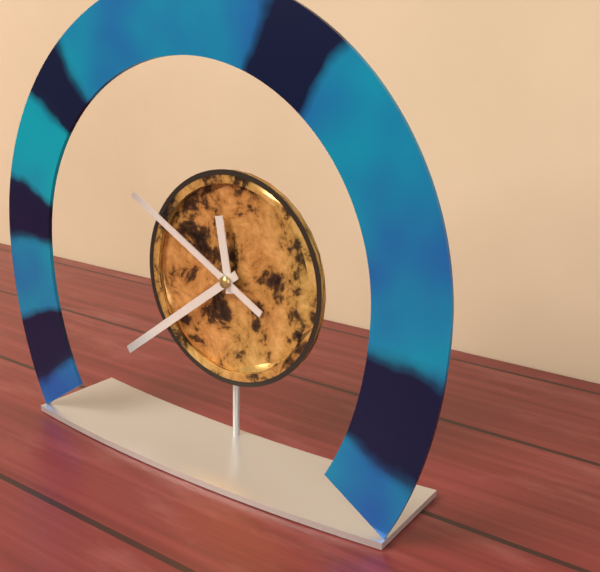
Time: **11:39:50**
